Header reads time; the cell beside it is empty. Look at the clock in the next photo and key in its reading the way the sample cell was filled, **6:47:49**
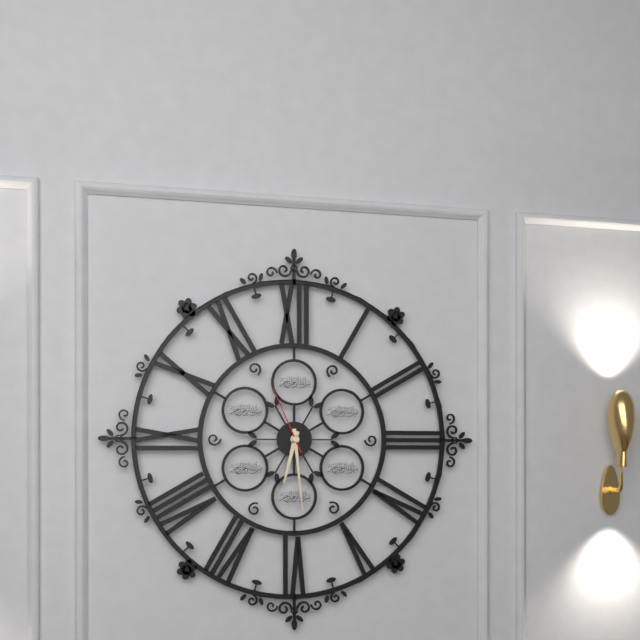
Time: **6:29:56**
